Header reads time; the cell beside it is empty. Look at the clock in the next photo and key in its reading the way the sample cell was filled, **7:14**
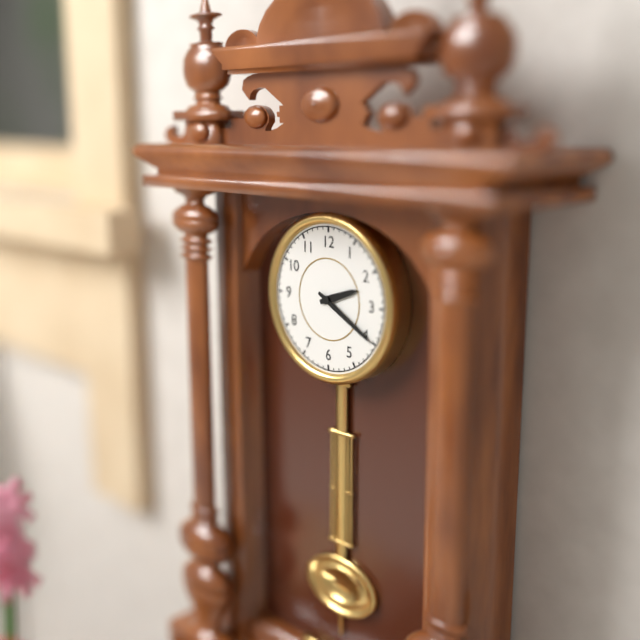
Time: **2:20**
